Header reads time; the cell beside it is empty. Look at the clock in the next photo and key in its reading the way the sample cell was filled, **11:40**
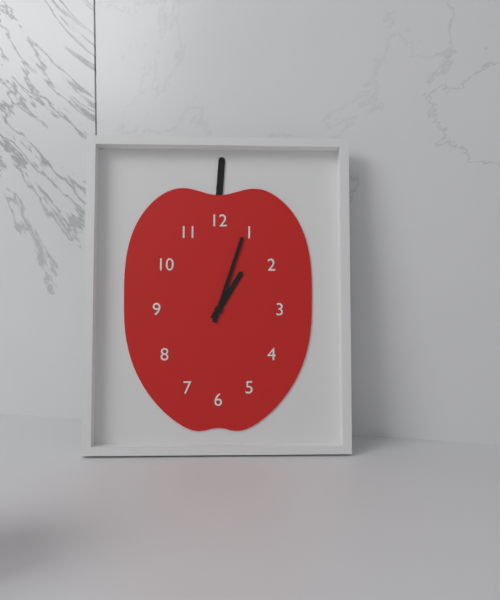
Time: **1:03**
